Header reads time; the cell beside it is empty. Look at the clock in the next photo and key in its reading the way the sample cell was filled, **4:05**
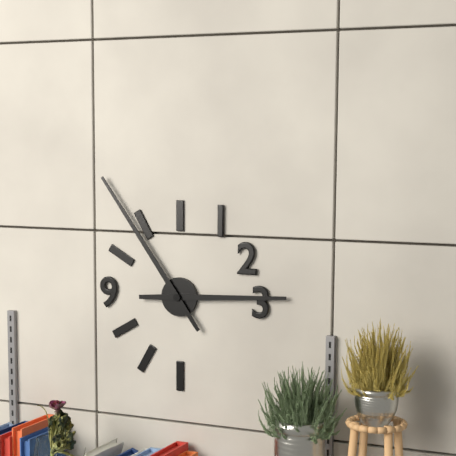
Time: **2:54**
